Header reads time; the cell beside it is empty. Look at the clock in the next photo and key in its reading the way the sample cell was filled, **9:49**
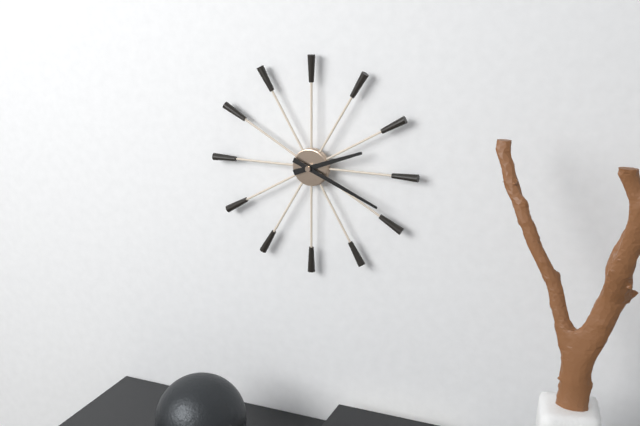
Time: **2:19**
